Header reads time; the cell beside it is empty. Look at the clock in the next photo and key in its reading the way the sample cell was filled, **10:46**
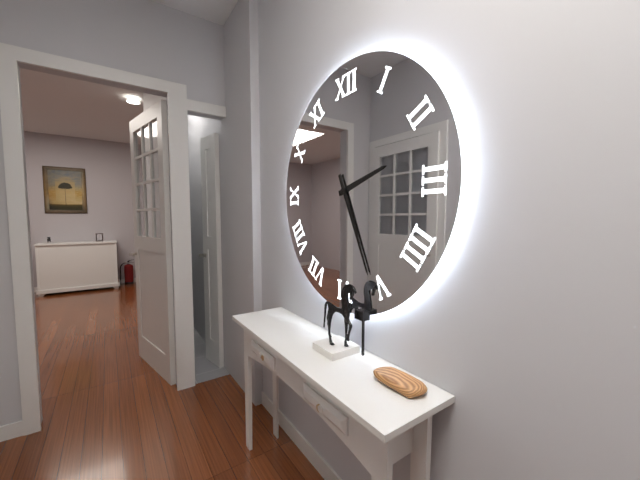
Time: **2:26**
